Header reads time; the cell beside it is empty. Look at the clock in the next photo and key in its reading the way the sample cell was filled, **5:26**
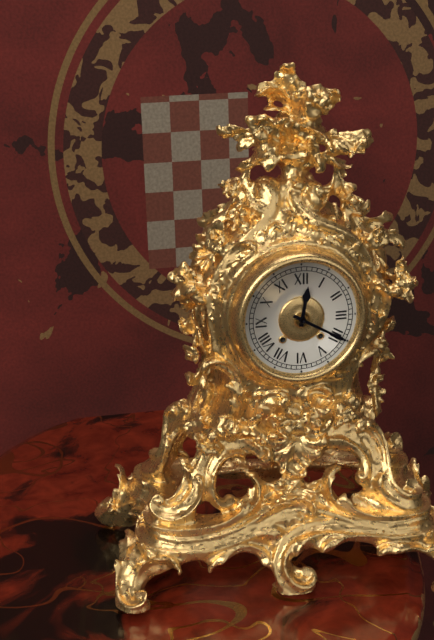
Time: **12:20**
